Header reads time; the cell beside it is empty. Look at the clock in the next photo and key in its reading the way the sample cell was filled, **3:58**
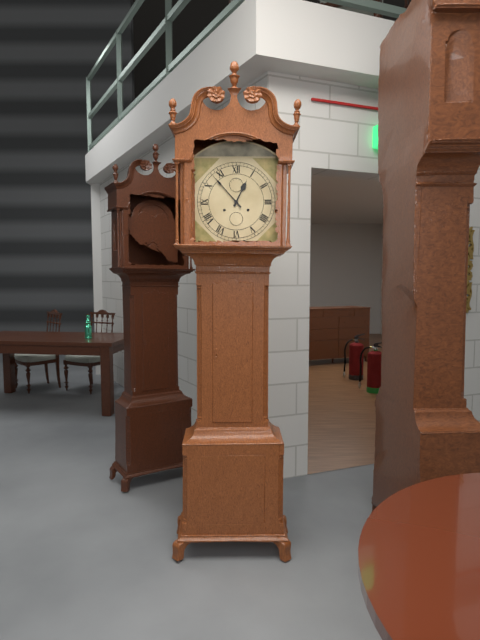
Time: **12:53**
